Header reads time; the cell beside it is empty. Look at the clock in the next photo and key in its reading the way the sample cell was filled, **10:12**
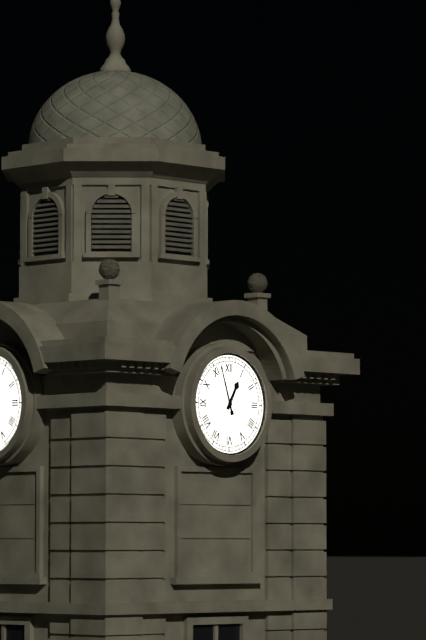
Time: **12:57**
